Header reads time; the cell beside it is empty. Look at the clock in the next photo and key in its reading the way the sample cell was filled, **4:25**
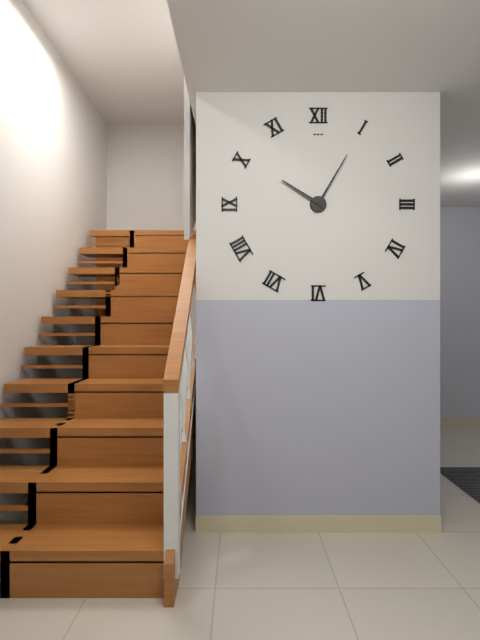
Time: **10:05**
